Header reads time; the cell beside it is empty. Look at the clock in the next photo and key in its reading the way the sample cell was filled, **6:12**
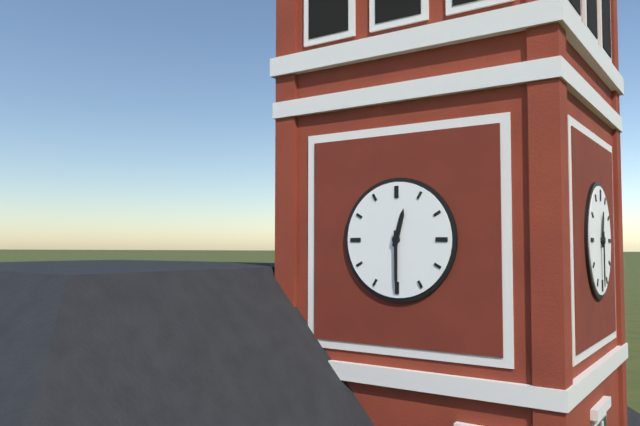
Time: **12:30**
